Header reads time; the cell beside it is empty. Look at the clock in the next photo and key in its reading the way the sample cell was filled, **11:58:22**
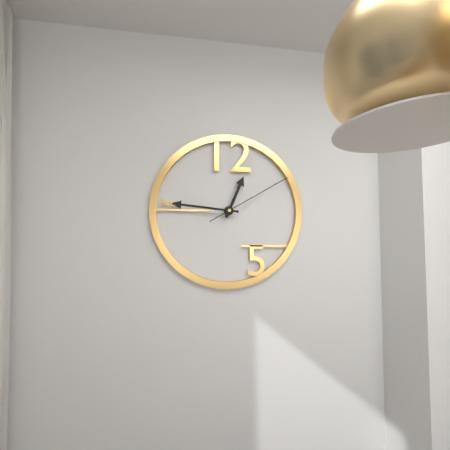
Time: **12:46:10**
